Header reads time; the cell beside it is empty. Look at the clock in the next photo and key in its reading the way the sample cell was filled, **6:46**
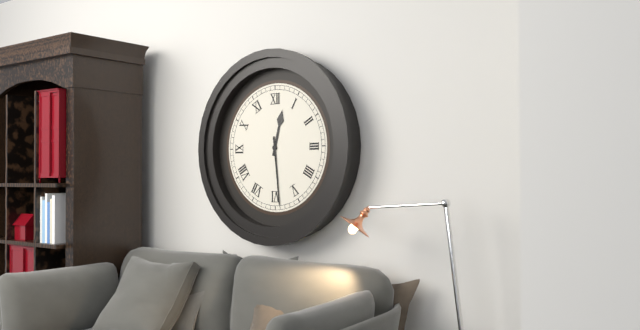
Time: **12:29**
